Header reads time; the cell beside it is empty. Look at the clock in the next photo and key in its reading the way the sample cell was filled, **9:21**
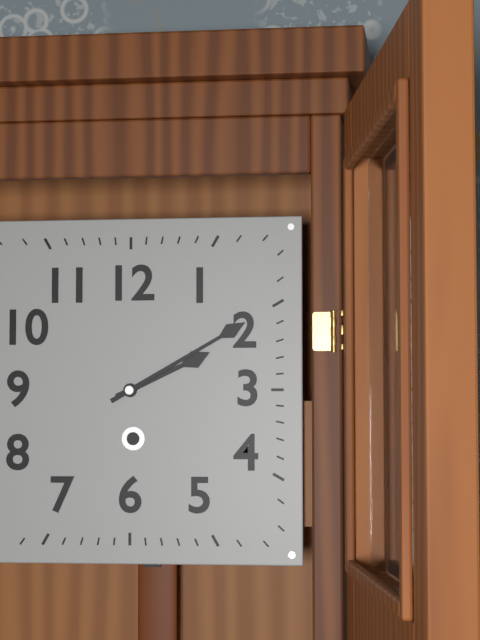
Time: **2:10**
